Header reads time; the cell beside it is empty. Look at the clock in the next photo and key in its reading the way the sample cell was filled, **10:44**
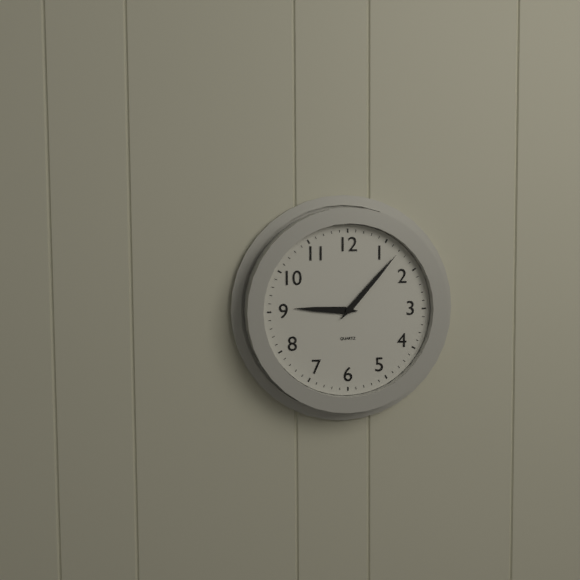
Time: **9:07**
